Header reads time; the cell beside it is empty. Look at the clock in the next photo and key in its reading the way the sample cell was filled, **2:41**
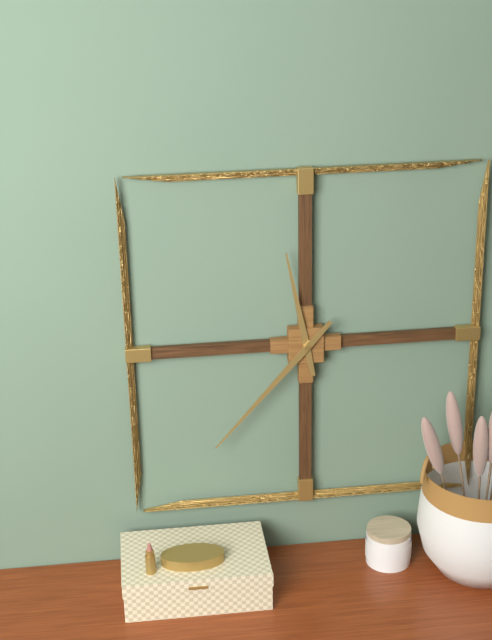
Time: **11:37**
